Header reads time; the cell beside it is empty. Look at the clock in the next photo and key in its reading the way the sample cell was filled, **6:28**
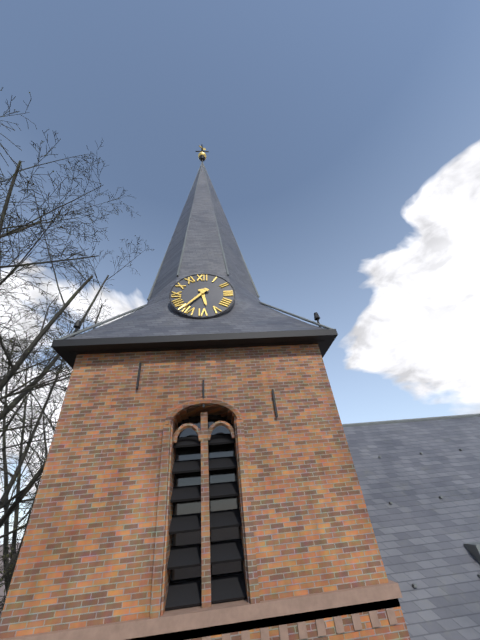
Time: **5:37**
